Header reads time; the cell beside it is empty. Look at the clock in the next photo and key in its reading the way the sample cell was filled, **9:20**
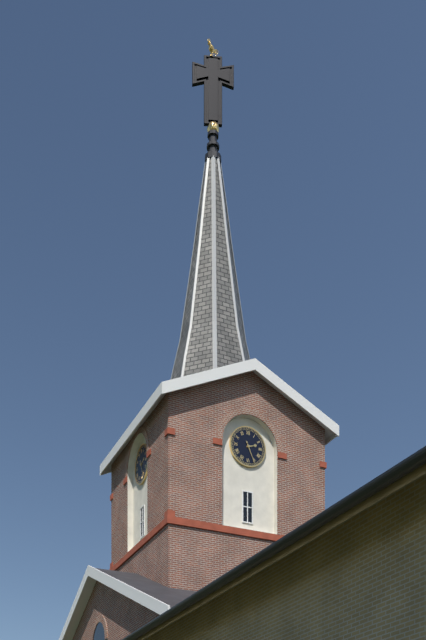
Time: **2:26**
